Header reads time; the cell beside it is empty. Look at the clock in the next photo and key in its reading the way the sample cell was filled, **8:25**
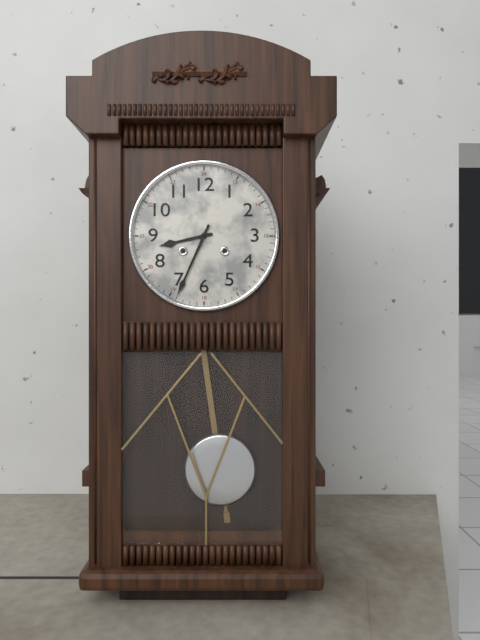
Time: **8:34**
